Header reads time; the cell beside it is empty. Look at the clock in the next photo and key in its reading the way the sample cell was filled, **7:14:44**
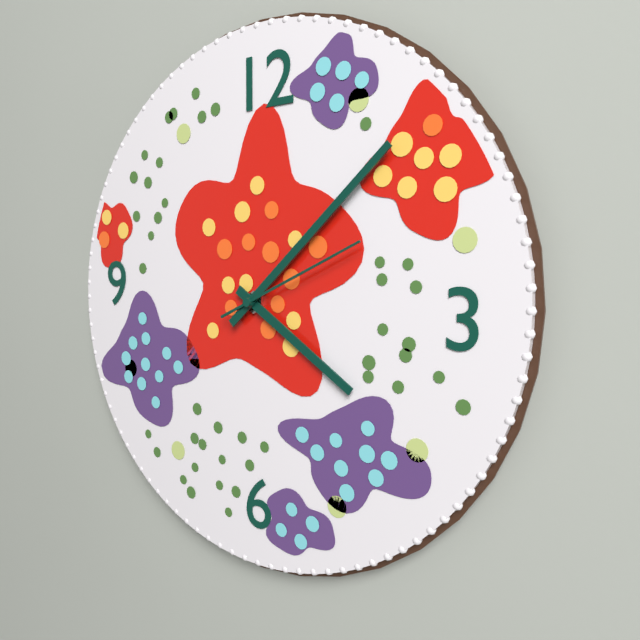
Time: **4:08:11**
